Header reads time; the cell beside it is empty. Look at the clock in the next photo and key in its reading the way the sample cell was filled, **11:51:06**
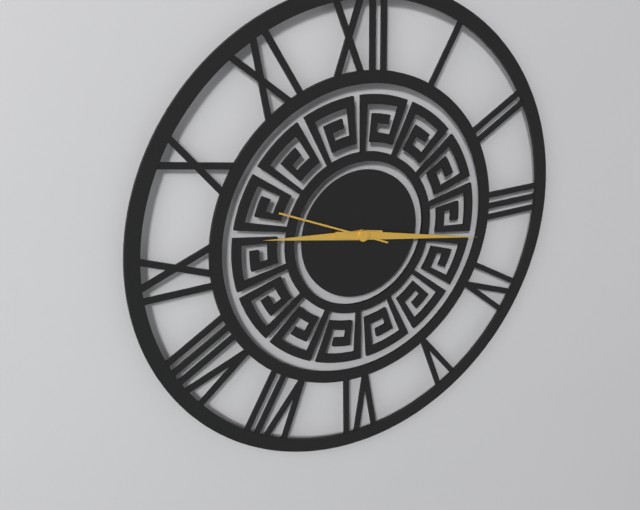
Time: **9:17:49**
